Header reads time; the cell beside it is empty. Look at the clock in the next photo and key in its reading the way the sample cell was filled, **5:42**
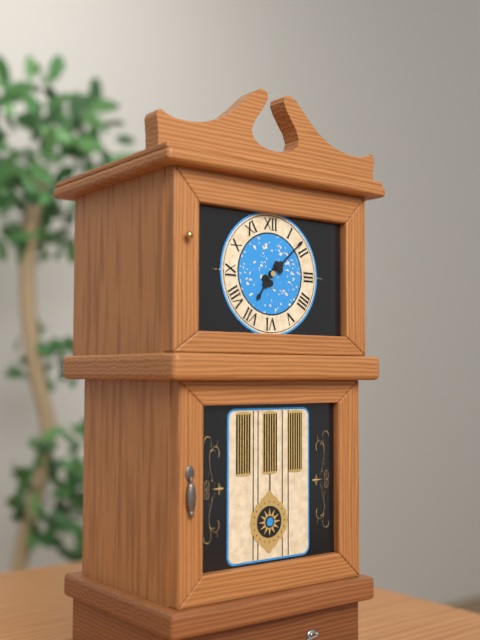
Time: **7:08**
